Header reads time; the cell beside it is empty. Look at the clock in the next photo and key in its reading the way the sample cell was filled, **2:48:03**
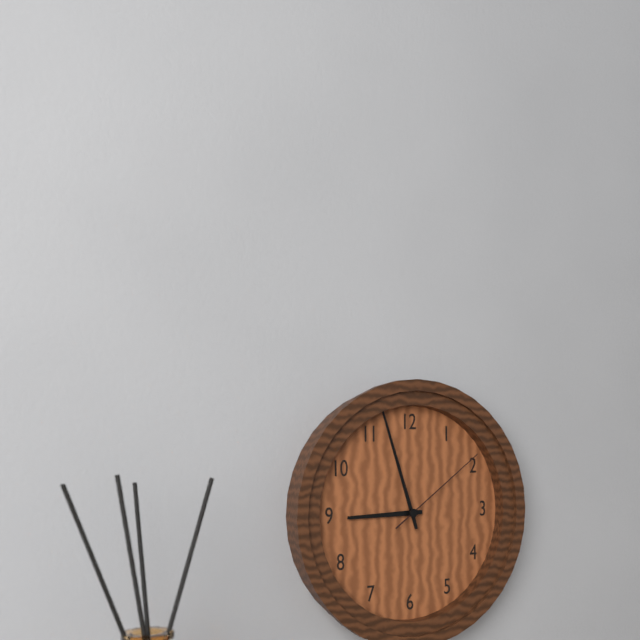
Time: **8:57:09**
